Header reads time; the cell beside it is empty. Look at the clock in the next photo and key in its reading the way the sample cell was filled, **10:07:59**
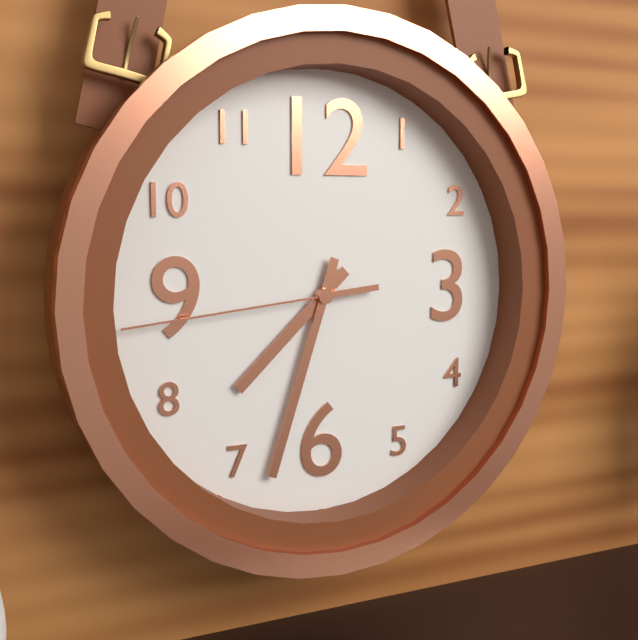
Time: **7:33:44**
